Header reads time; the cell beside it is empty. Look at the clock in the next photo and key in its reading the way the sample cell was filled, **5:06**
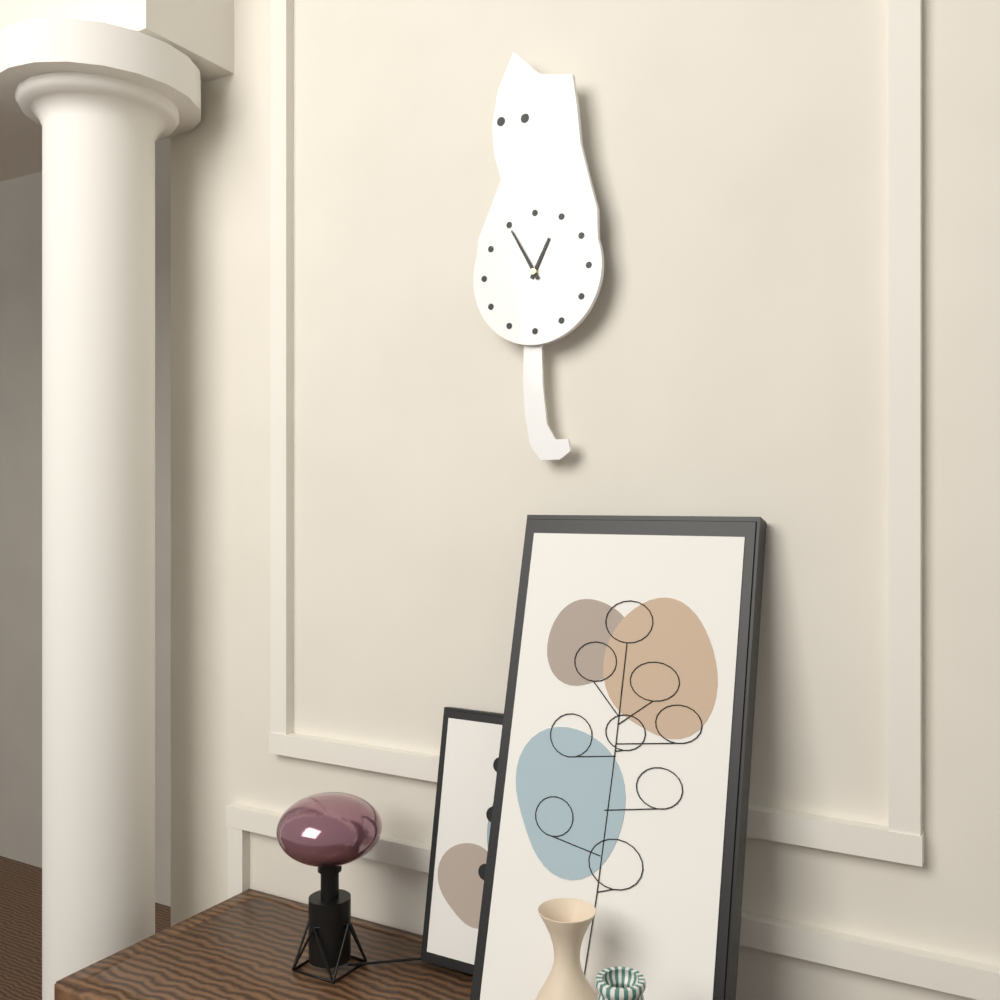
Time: **12:55**
